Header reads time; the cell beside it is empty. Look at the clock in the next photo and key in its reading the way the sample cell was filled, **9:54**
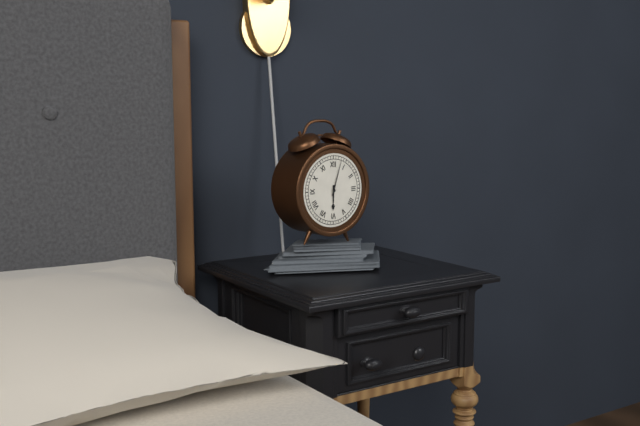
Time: **6:03**
